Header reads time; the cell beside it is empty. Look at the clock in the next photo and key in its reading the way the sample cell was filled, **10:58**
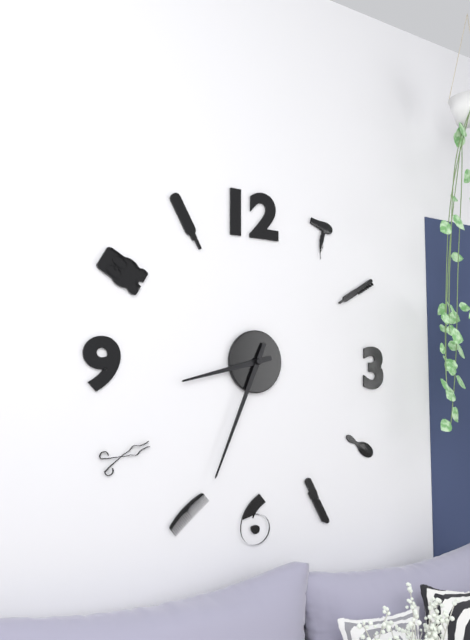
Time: **8:34**
